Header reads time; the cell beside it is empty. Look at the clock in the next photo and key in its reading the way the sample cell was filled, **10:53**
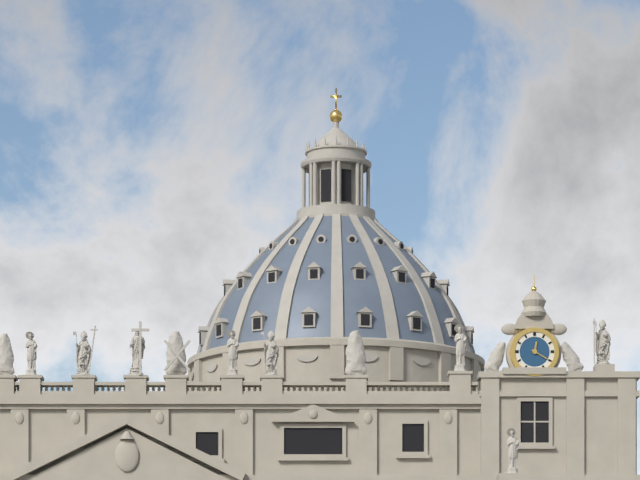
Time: **12:20**
